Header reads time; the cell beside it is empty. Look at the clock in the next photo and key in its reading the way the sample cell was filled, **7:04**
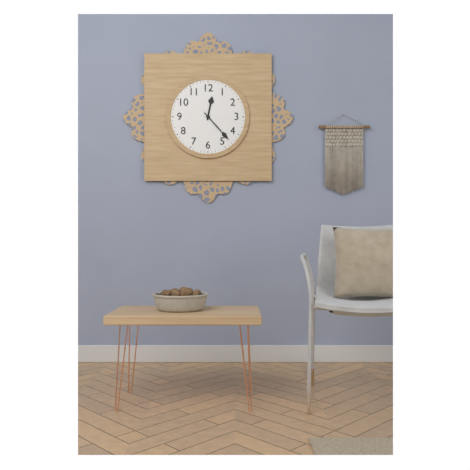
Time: **12:23**
